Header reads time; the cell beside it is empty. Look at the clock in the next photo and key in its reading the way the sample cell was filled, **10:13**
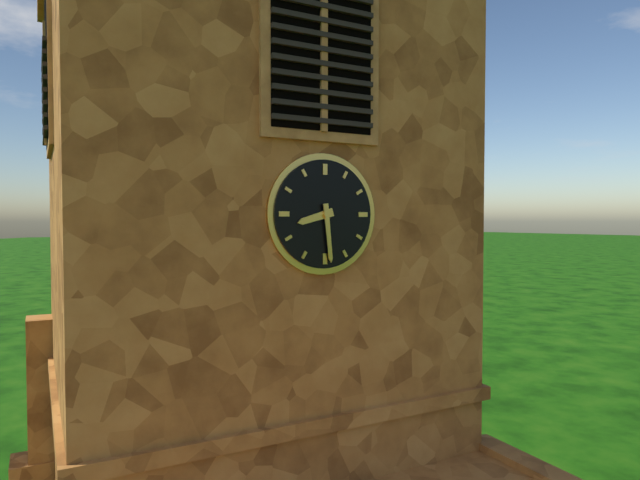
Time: **8:29**
